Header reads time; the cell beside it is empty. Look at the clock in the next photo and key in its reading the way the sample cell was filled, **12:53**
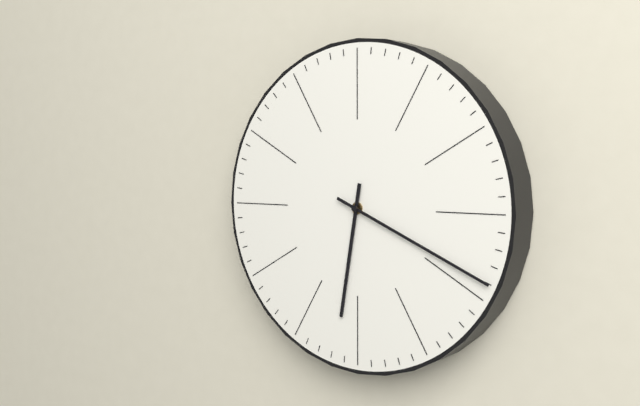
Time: **6:19**
